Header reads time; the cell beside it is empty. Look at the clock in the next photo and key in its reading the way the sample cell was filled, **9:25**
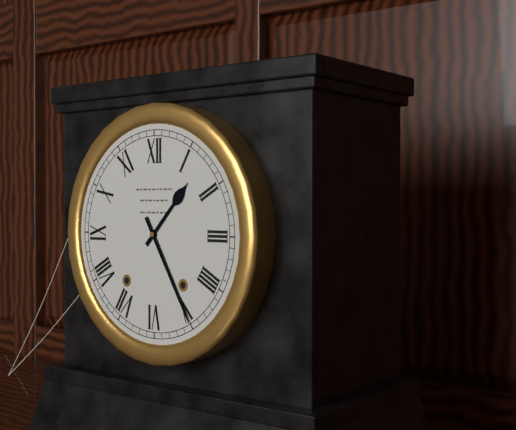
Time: **1:25**
